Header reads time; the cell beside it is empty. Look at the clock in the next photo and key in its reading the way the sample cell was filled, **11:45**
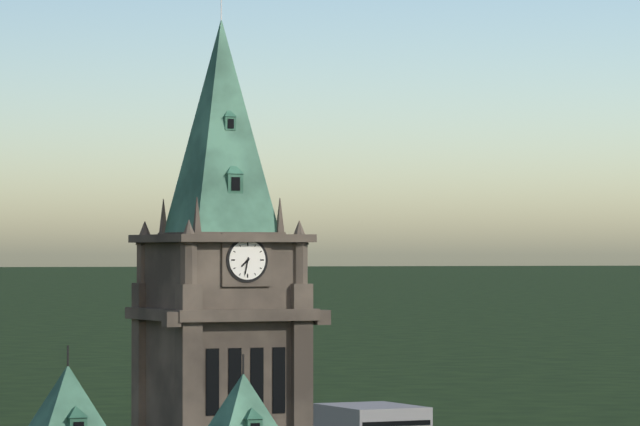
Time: **7:32**
